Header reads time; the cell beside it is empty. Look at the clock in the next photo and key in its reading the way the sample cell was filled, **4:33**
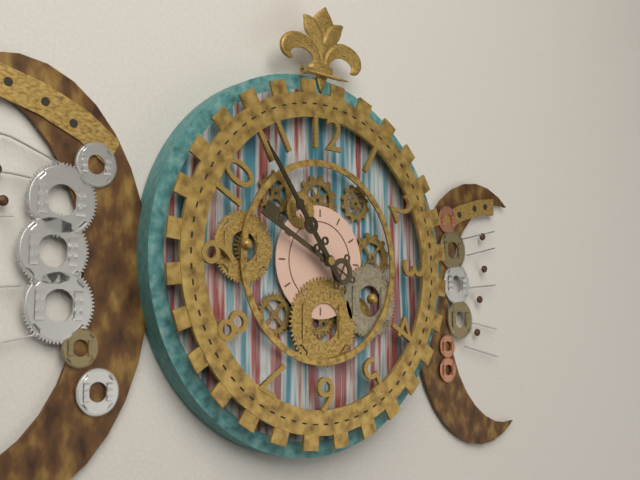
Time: **9:54**
